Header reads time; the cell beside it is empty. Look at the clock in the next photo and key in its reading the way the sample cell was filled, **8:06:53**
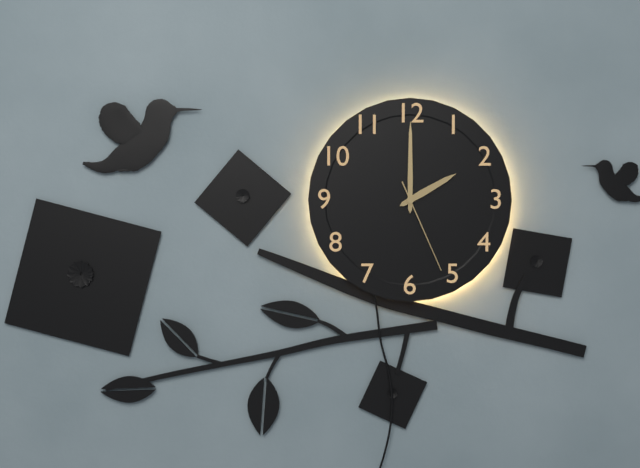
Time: **2:00:26**
